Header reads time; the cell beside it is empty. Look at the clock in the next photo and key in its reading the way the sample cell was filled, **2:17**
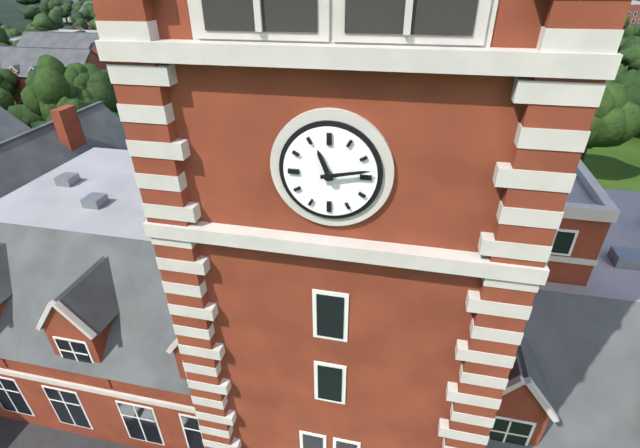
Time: **11:13**
